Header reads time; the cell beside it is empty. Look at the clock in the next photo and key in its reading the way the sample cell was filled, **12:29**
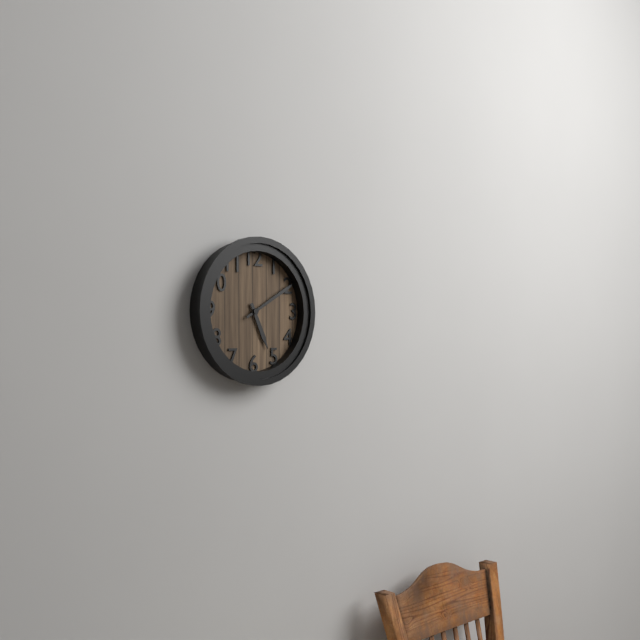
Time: **5:10**
